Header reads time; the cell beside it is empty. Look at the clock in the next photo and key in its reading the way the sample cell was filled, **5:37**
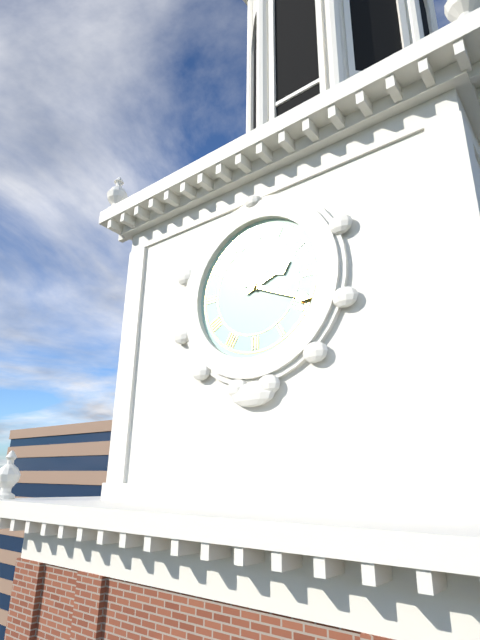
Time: **2:19**
